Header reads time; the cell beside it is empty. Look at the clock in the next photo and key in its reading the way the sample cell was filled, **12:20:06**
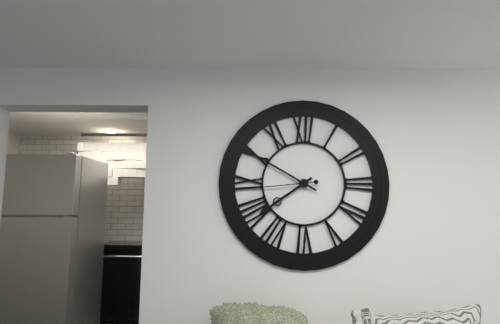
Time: **7:50:44**
